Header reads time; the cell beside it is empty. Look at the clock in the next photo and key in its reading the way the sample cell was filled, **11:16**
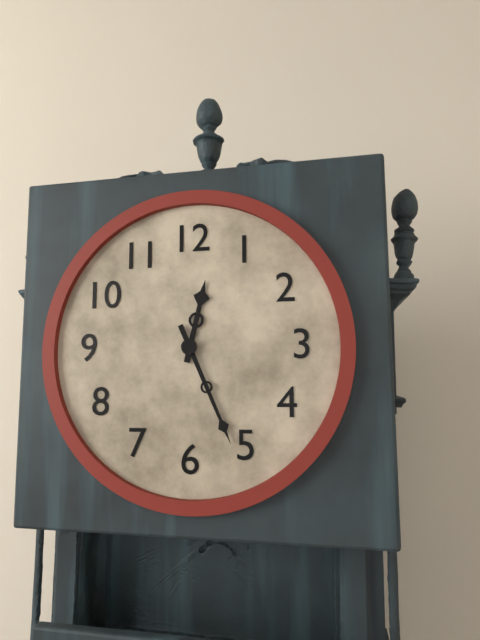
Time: **12:26**
